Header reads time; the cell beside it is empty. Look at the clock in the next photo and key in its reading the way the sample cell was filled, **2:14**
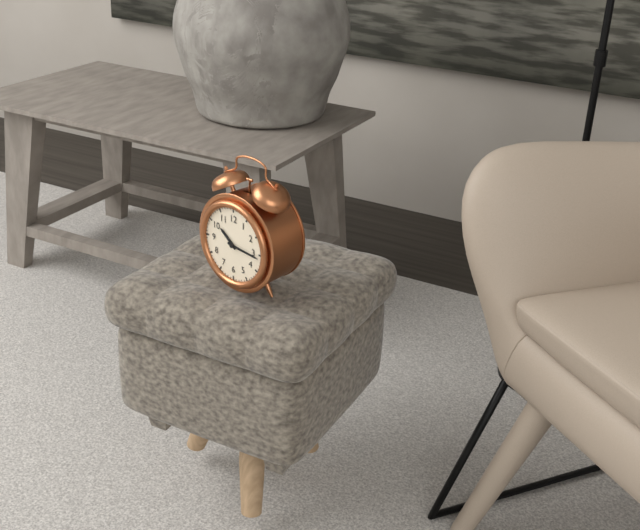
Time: **10:16**
